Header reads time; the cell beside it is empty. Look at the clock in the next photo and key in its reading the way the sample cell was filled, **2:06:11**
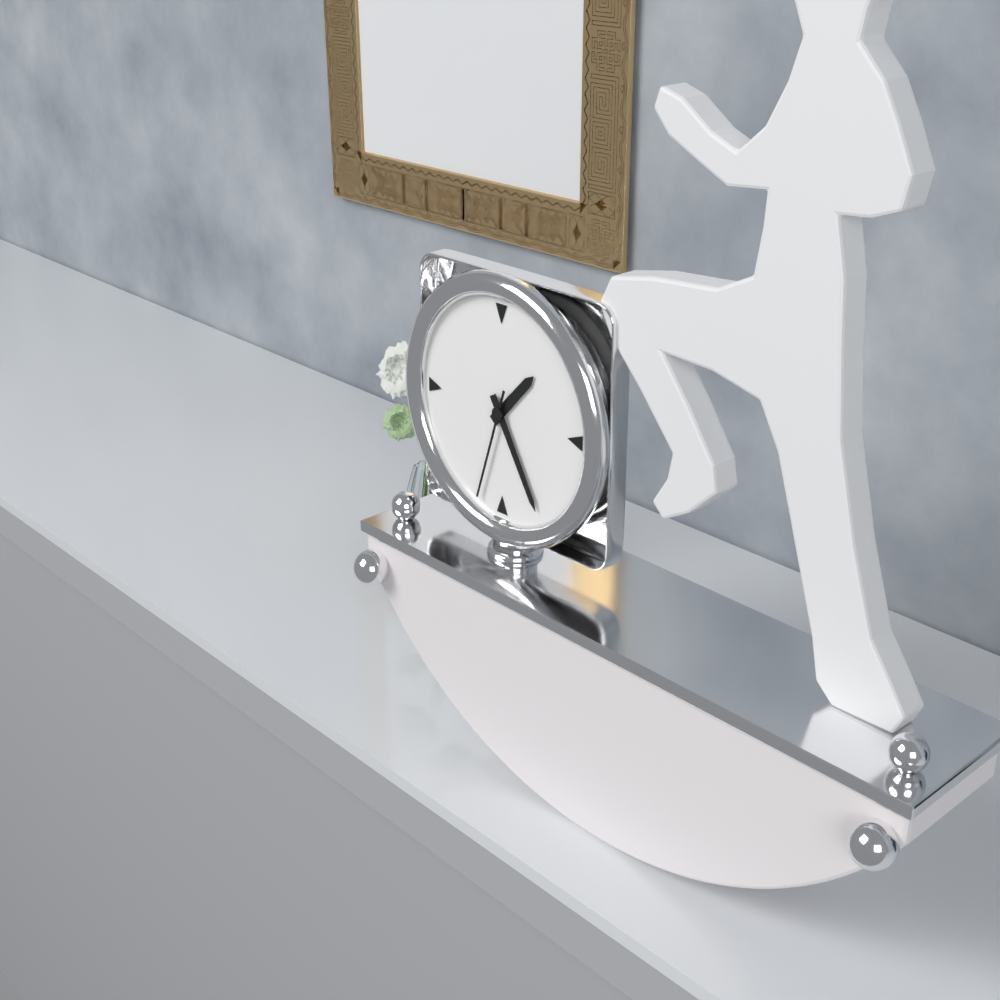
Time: **1:25:33**
